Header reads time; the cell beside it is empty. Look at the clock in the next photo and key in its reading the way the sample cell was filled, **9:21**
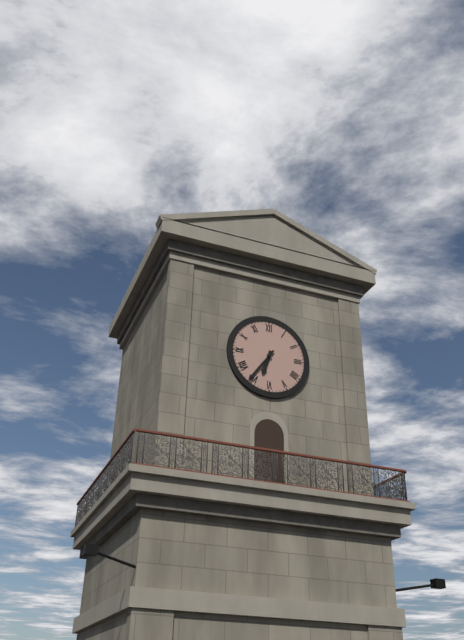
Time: **6:36**
